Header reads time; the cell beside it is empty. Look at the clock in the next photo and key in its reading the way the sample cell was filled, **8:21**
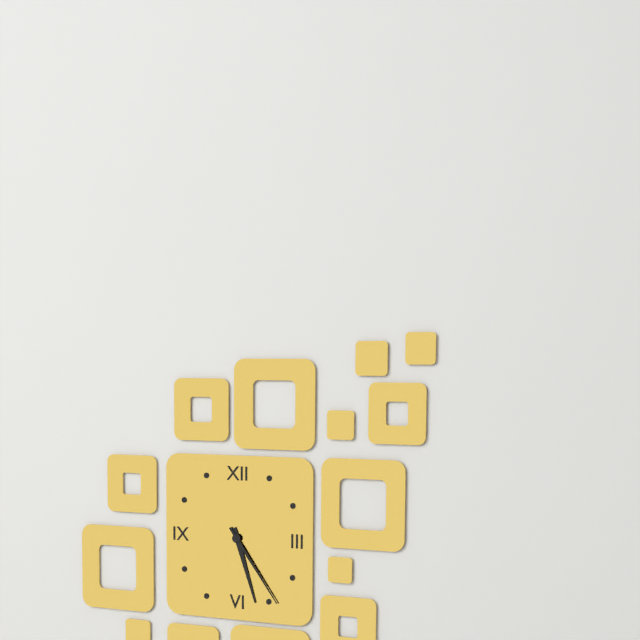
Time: **5:24**
